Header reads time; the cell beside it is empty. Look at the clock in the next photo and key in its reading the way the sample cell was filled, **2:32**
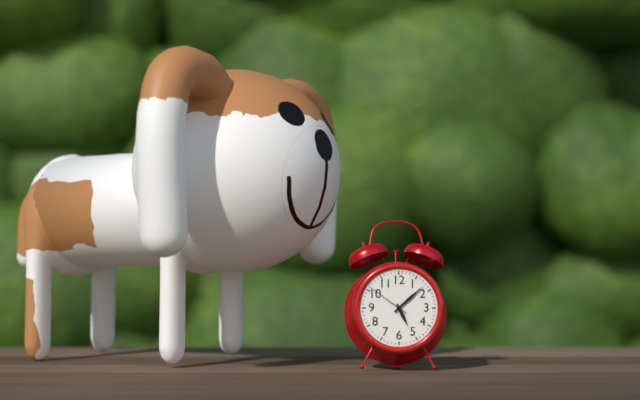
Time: **5:08**
